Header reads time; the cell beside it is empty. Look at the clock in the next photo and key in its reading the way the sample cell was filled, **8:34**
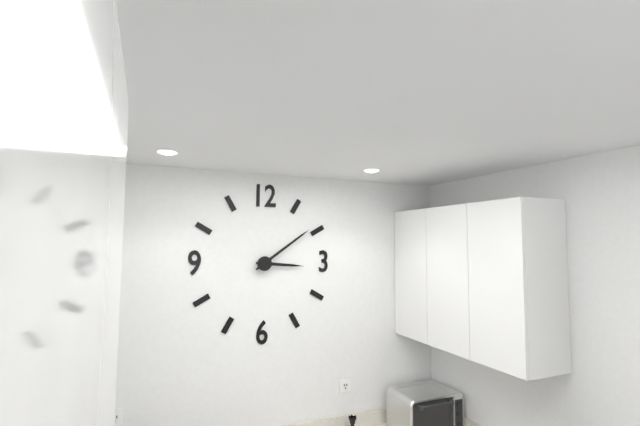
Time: **3:09**
